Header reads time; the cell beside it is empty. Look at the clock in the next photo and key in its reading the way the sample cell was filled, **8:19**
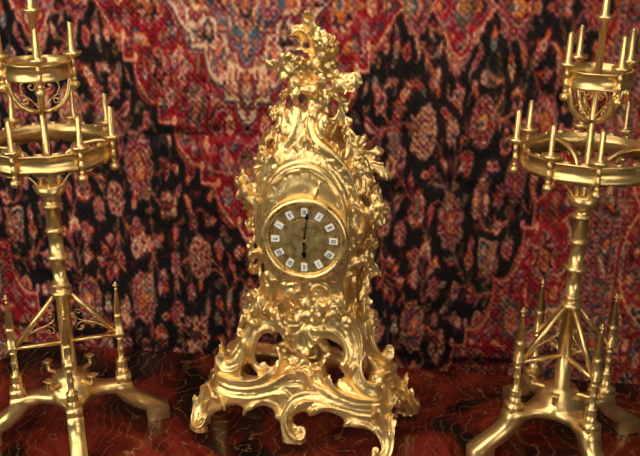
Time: **6:01**
